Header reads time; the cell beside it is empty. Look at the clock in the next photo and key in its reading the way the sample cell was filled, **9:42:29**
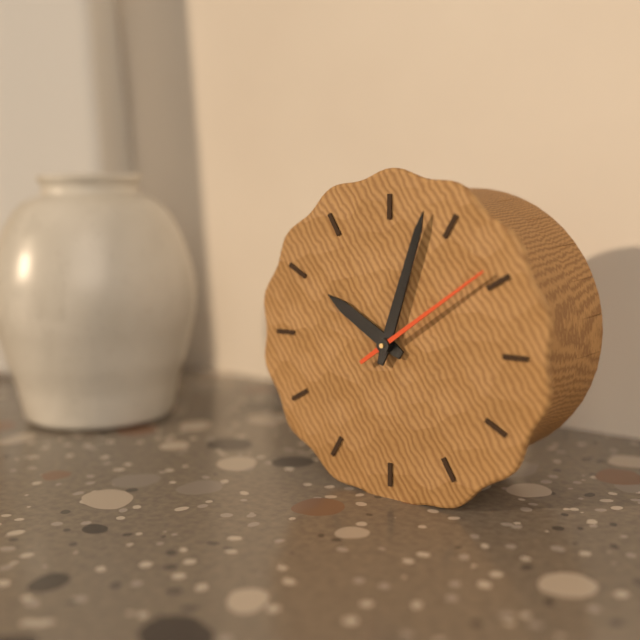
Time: **10:03:09**
